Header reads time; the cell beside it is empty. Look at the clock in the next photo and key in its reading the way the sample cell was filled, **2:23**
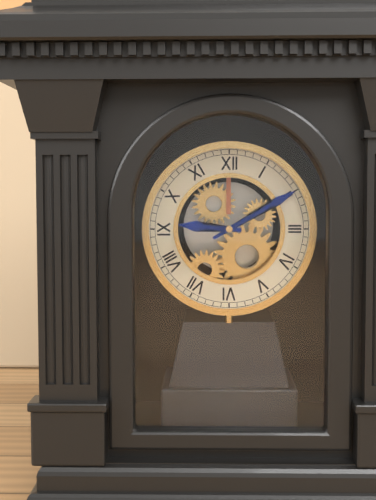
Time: **9:10**
